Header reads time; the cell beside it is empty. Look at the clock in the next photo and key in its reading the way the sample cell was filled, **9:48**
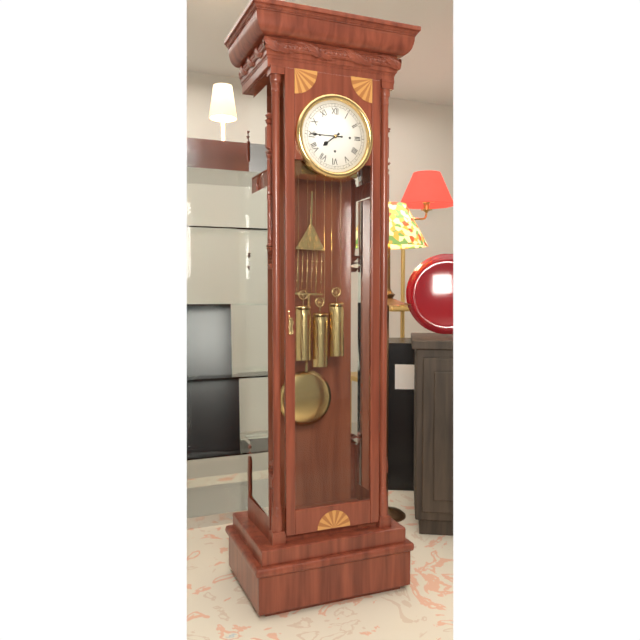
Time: **7:45**
